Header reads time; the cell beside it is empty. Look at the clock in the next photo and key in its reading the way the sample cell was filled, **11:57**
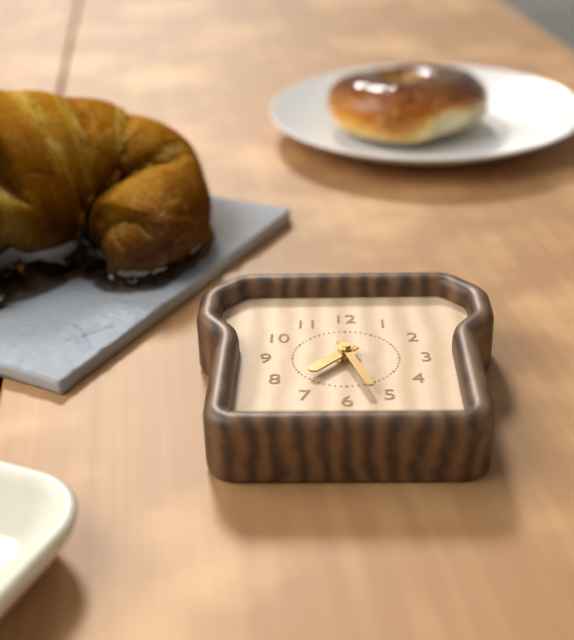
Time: **7:27**
